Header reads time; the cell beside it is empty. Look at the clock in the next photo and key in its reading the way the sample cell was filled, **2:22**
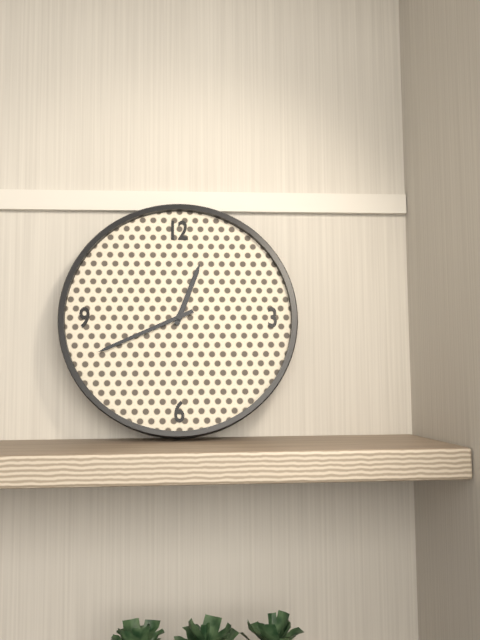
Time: **12:41**
